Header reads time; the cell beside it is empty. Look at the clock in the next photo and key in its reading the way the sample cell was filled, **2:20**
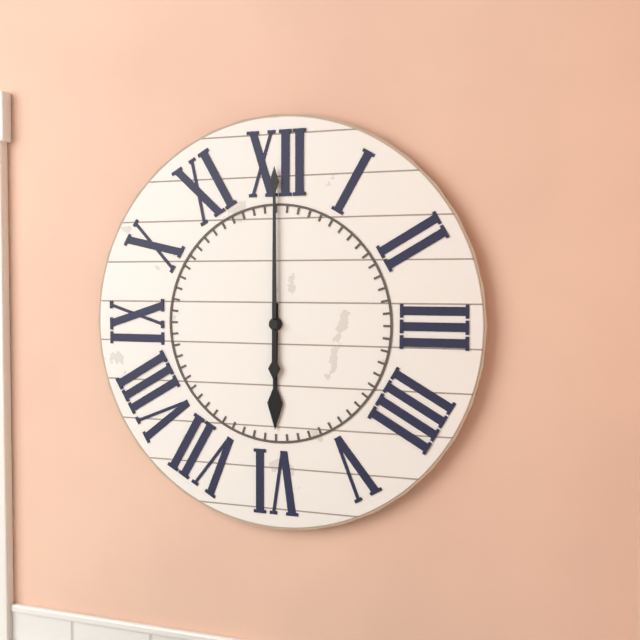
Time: **6:00**
